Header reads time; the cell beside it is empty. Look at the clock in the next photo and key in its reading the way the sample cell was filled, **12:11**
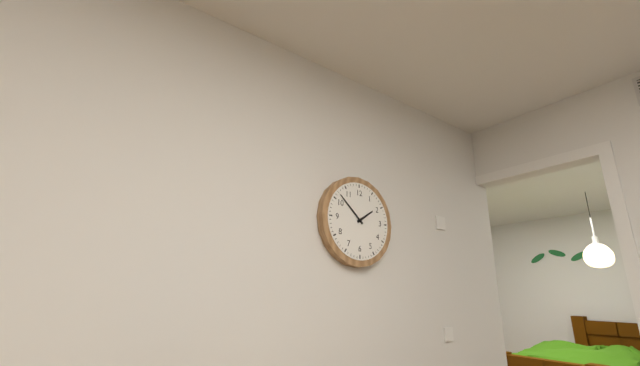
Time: **1:52**
